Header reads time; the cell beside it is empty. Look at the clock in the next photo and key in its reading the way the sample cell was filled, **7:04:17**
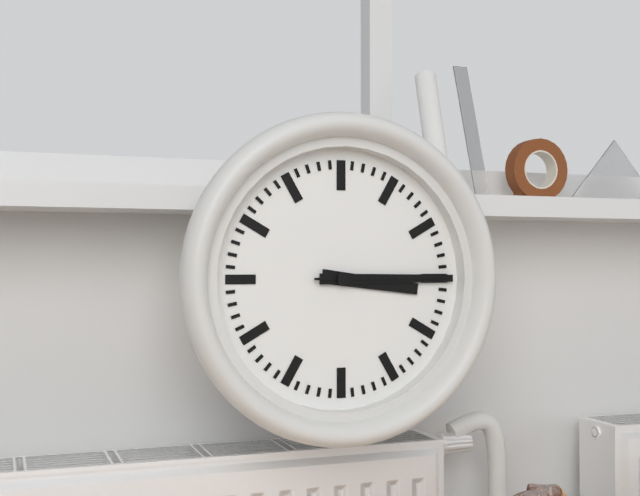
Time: **3:15:15**
